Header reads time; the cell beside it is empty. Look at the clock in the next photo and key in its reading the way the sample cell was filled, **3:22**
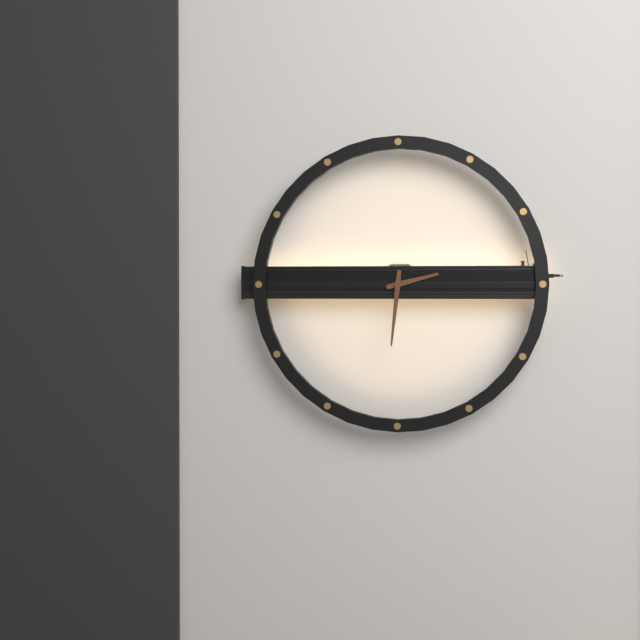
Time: **2:31**
